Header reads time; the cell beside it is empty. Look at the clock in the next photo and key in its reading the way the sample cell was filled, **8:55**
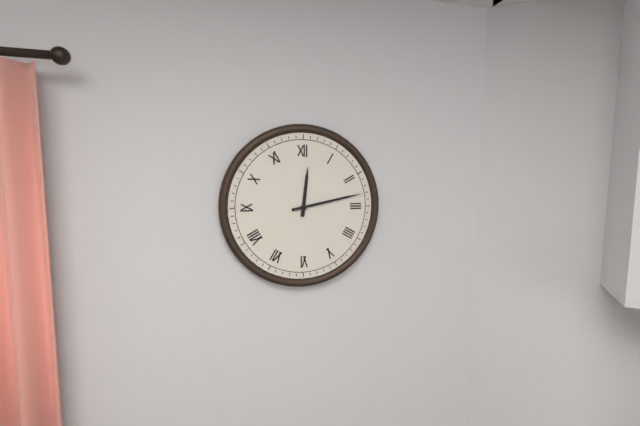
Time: **12:13**
